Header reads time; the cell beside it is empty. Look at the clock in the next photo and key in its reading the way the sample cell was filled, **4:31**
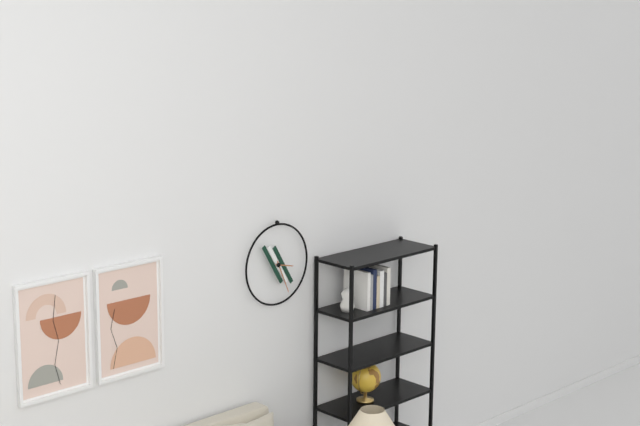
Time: **3:26**
